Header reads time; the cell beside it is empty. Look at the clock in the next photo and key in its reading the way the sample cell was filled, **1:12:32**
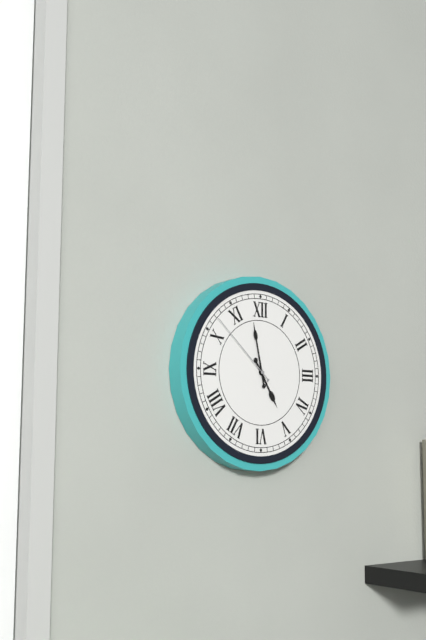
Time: **4:58:52**
